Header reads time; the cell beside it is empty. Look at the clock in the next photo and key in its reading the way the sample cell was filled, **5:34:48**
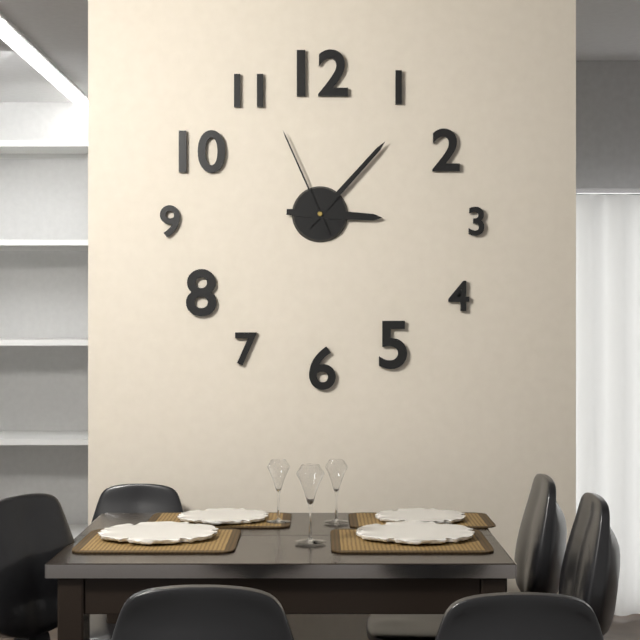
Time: **3:07:56**
